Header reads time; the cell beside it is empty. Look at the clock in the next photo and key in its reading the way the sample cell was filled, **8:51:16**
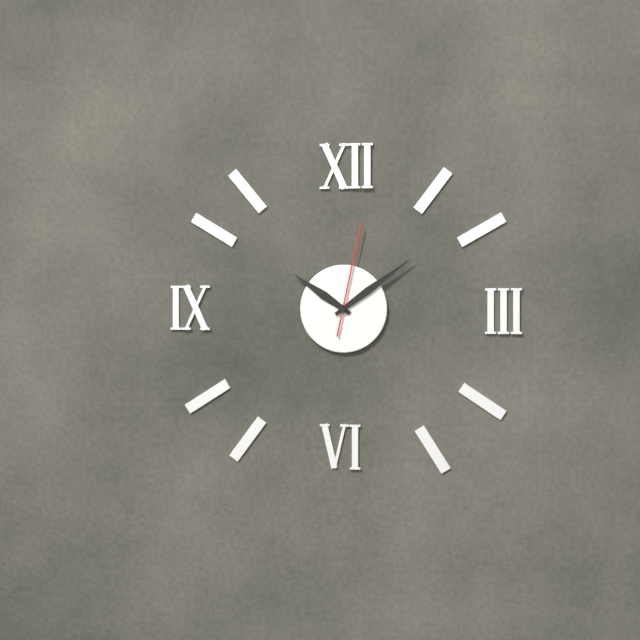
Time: **10:09:02**
